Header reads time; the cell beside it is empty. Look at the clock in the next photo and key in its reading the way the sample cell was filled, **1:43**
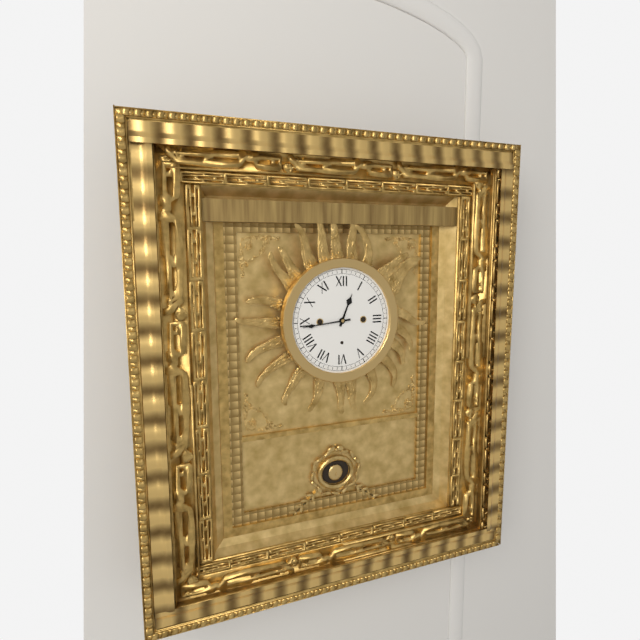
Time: **12:44**
